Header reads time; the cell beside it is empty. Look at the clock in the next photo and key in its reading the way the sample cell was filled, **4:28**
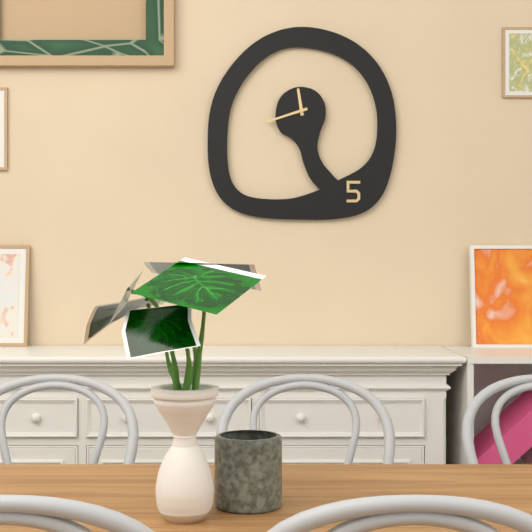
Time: **11:42**
